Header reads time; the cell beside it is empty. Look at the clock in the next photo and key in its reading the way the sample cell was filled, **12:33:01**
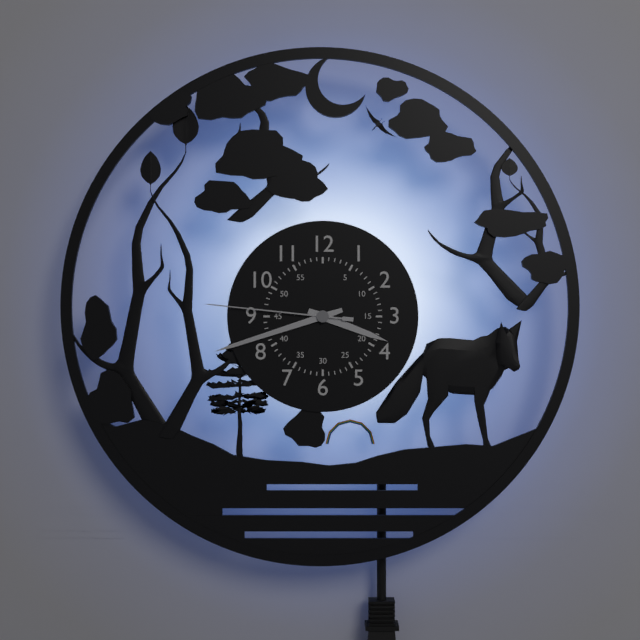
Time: **3:42:46**
